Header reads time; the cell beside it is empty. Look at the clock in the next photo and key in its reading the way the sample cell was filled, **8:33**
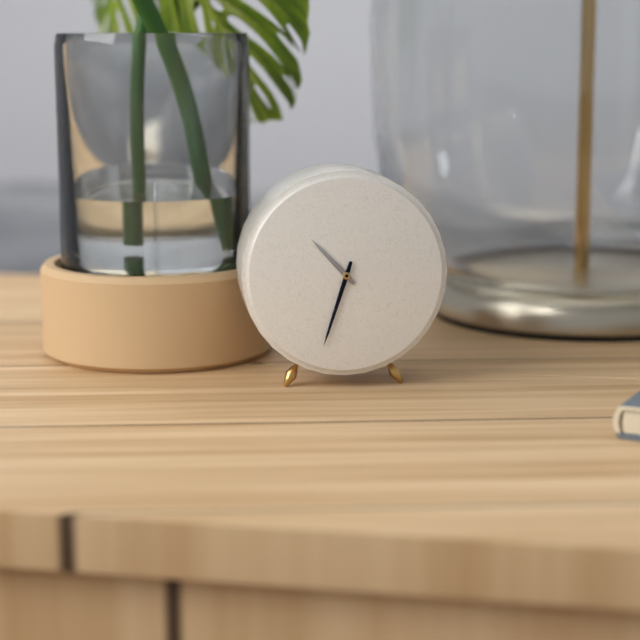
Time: **10:33**
